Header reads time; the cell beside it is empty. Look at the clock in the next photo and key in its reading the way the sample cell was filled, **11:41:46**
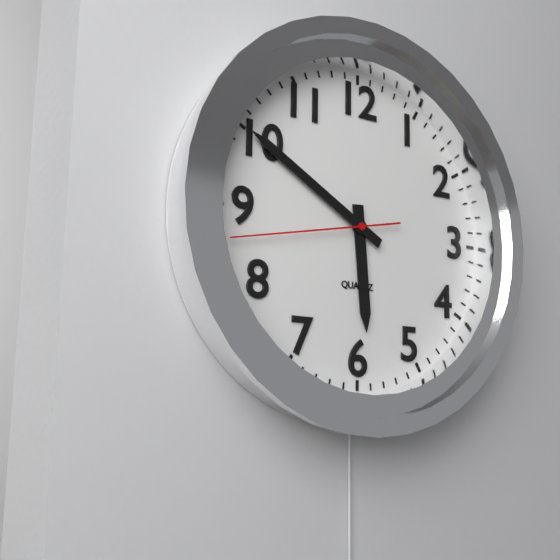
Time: **5:50:43**
